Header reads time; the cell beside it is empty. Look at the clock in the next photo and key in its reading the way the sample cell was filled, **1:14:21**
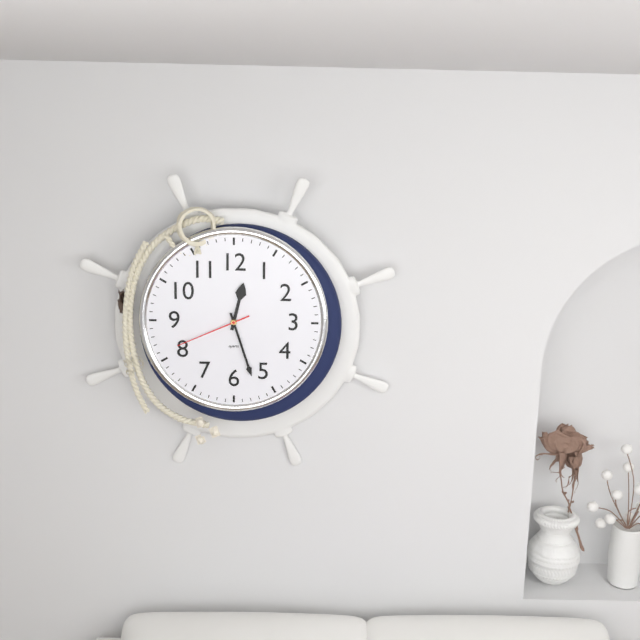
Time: **12:27:41**
